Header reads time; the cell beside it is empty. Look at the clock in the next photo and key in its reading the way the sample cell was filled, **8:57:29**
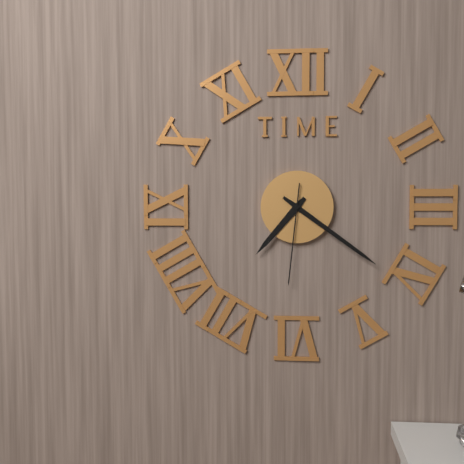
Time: **7:21:31**
